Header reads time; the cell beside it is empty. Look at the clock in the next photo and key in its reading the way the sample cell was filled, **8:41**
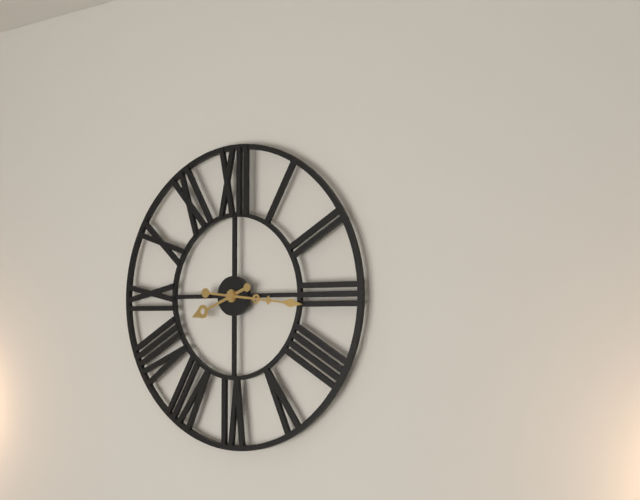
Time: **8:16**
